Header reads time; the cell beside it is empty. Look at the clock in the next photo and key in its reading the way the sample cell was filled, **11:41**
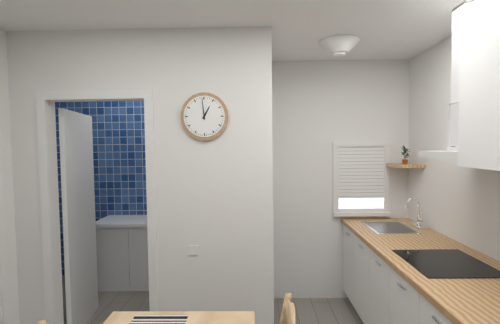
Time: **12:59**
